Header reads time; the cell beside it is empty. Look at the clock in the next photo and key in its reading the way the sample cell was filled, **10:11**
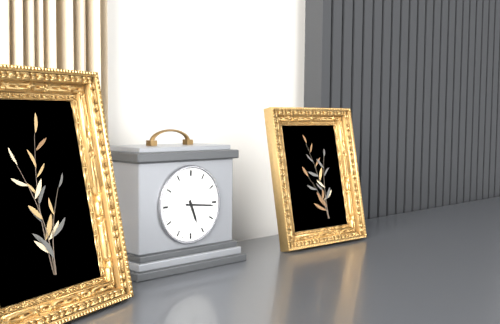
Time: **5:16**
